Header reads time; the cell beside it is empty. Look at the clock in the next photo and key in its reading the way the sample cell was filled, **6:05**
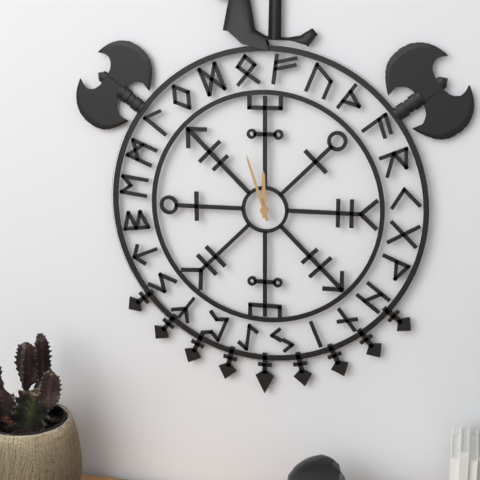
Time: **11:57**
